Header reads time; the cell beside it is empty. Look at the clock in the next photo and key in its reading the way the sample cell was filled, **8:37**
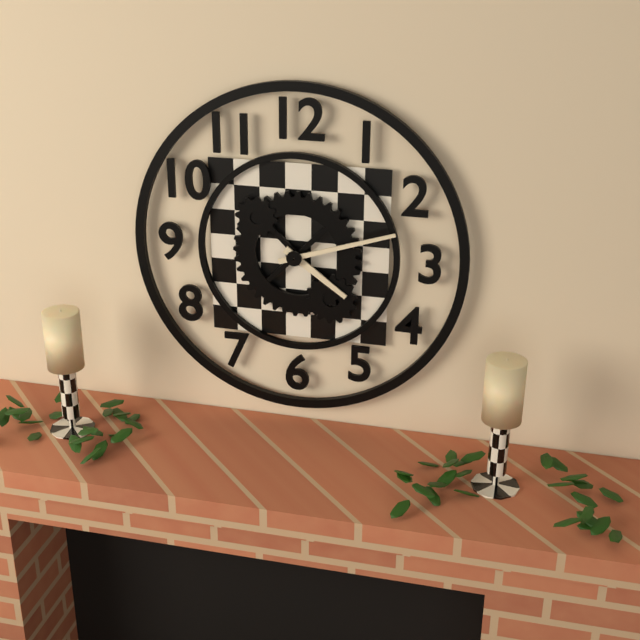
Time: **4:12**
